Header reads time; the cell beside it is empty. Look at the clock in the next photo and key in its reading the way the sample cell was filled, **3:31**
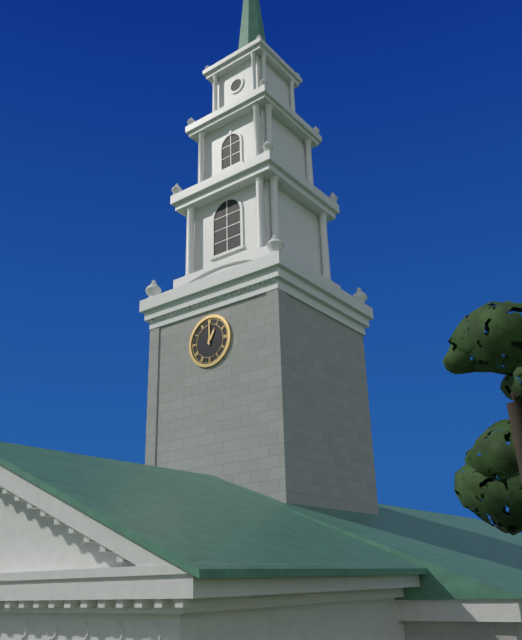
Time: **1:00**
